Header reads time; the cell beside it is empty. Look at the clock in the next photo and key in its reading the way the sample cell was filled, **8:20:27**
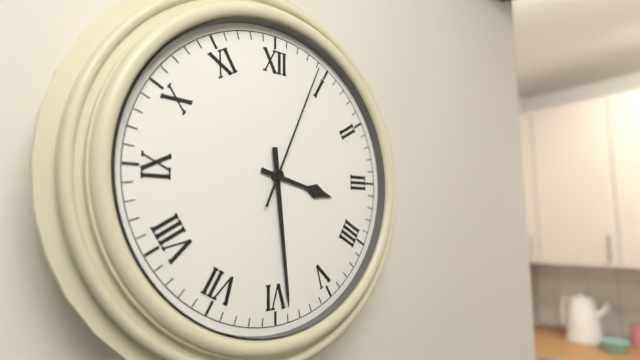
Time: **3:29:04**
